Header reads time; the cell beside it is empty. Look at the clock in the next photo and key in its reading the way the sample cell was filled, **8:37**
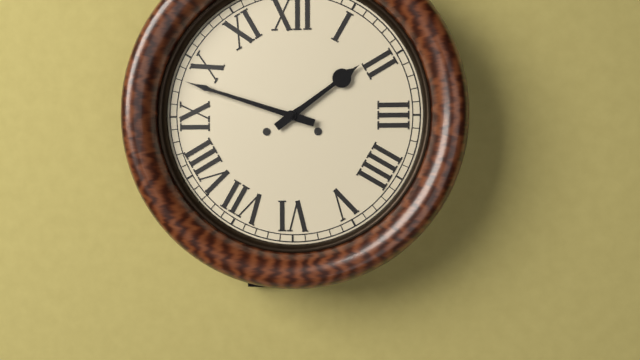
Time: **1:48**
